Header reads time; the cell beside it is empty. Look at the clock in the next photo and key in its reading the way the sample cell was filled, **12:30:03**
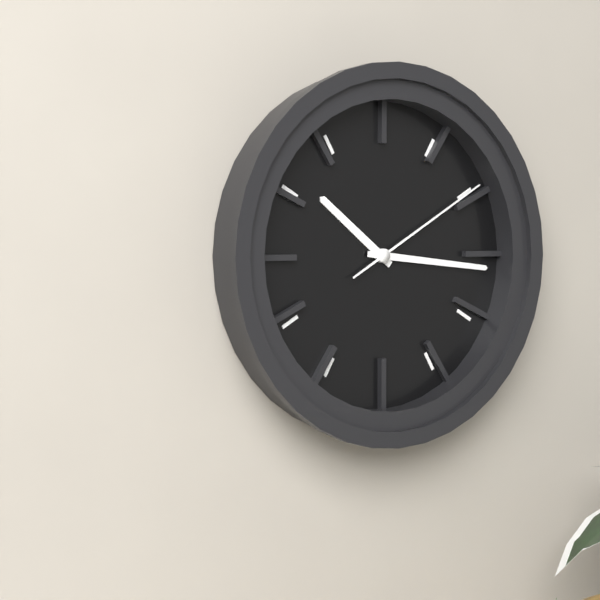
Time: **10:16:10**
